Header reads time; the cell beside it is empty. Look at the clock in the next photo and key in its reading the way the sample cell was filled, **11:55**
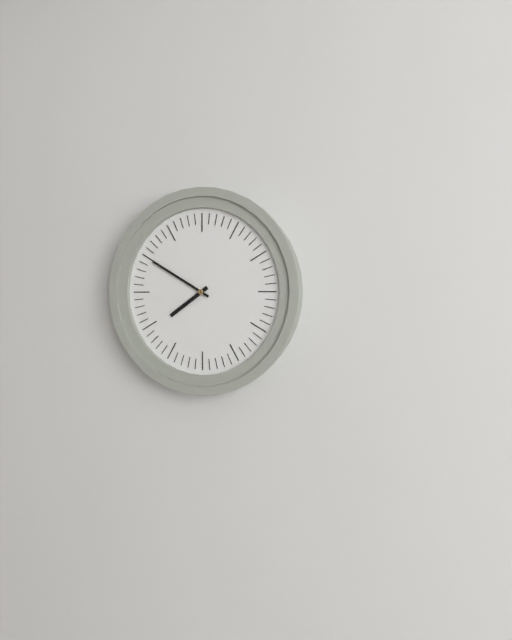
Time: **7:50**
